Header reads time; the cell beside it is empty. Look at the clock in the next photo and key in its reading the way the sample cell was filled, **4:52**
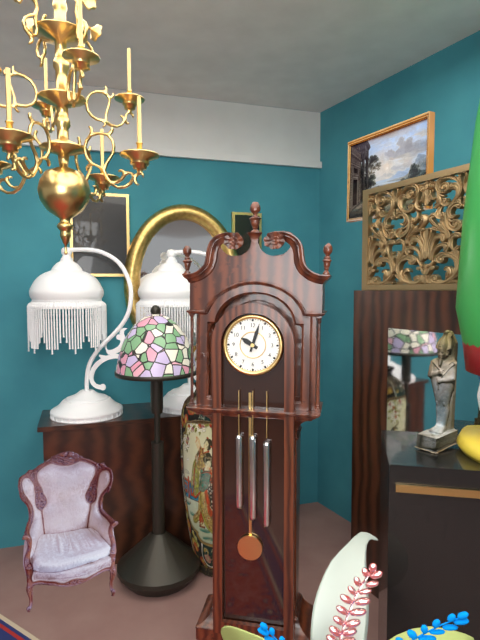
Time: **10:03**
